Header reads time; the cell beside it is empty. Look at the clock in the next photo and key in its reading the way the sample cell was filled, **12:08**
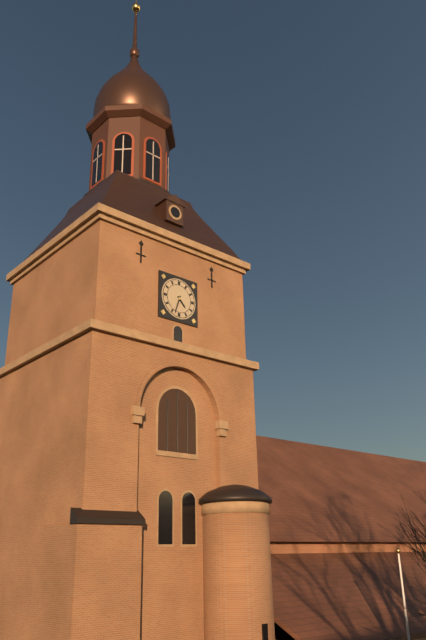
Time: **4:33**
